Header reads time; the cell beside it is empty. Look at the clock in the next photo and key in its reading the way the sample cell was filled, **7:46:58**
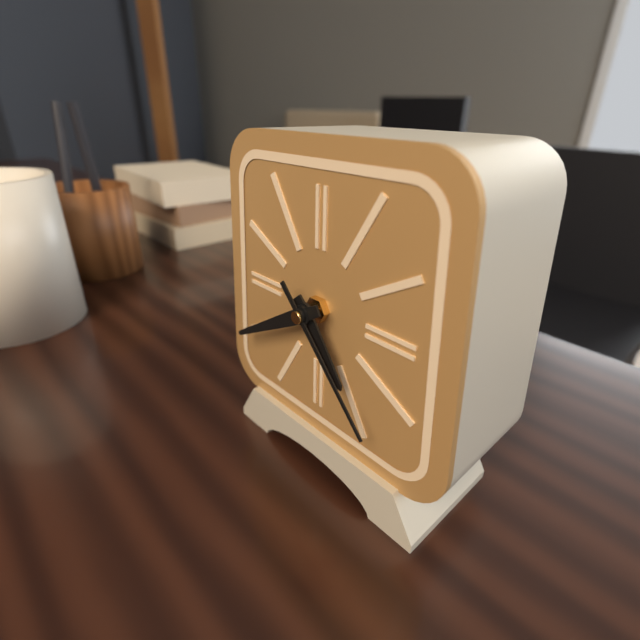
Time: **4:40:23**
